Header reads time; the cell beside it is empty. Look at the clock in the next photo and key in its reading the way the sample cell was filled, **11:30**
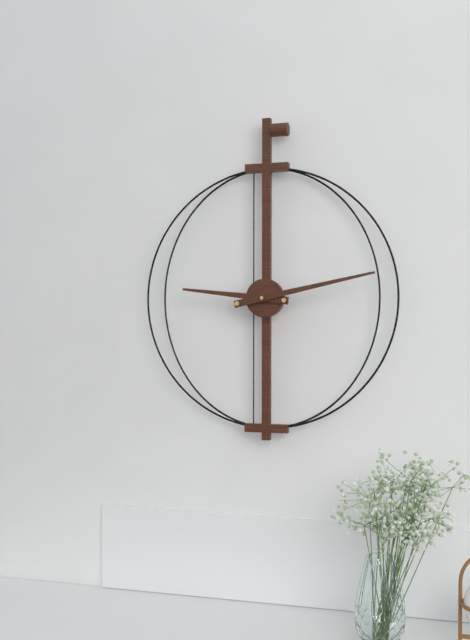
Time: **9:13**
